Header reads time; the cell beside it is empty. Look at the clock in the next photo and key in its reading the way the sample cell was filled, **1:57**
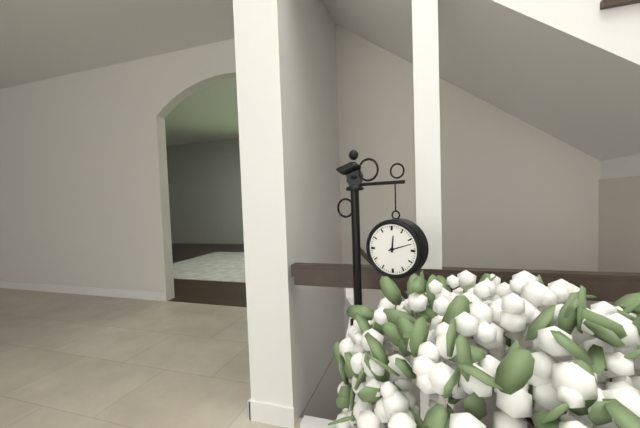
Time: **12:12**
